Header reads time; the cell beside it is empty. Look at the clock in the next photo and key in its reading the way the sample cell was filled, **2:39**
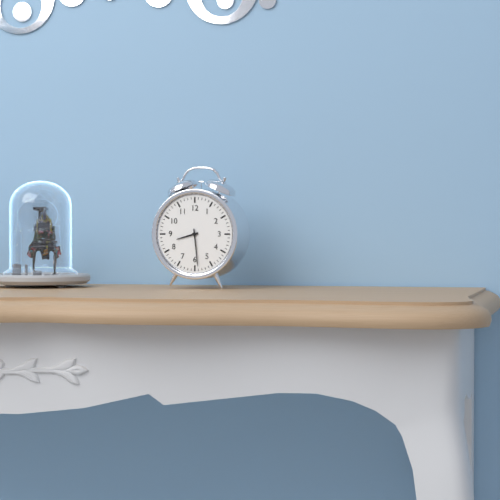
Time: **8:29**
